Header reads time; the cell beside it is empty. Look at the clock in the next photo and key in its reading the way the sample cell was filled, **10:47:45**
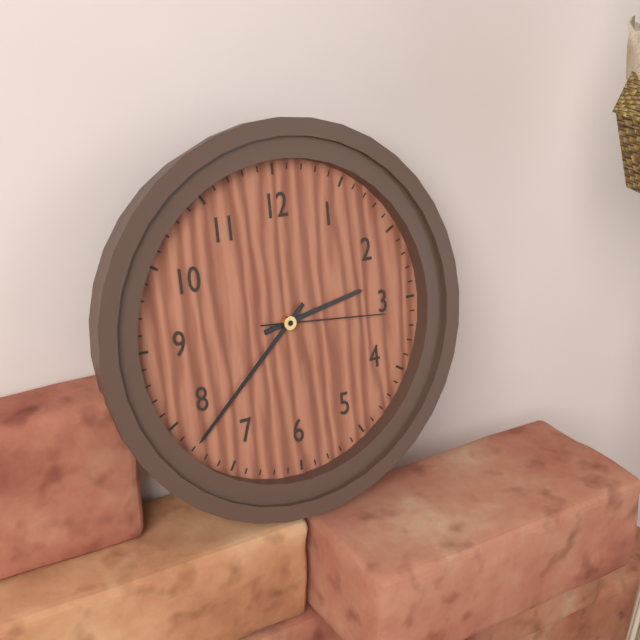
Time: **2:38:16**
